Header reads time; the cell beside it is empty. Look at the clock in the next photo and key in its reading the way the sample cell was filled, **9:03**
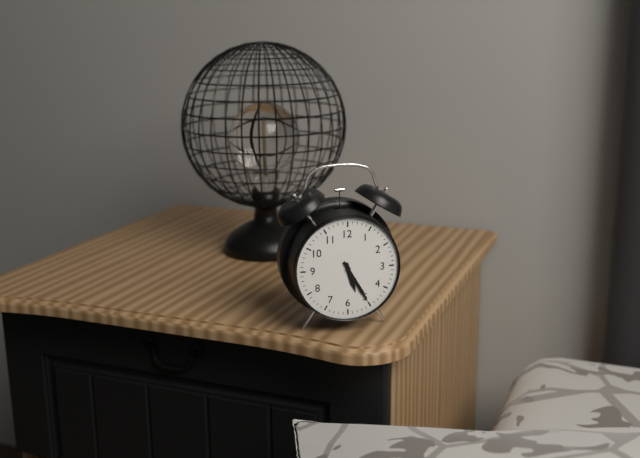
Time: **5:25**
